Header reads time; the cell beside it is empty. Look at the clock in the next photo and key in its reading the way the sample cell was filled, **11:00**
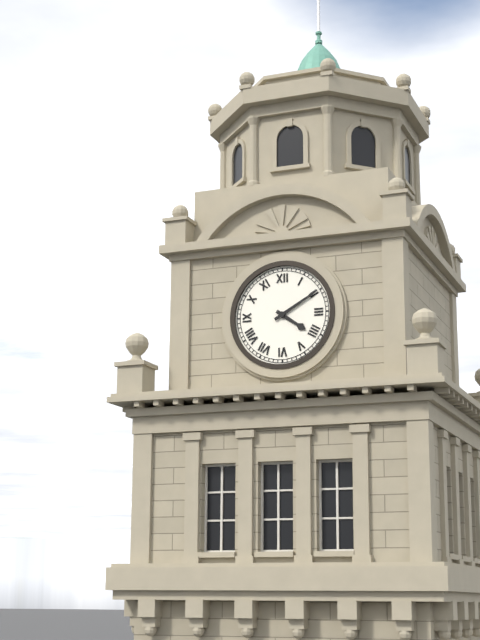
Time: **4:10**
